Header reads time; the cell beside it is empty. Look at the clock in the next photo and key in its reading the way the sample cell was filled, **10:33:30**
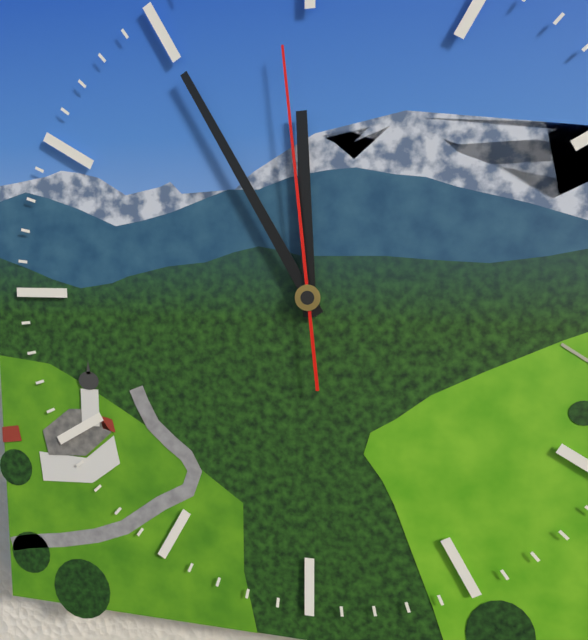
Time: **11:55:59**
